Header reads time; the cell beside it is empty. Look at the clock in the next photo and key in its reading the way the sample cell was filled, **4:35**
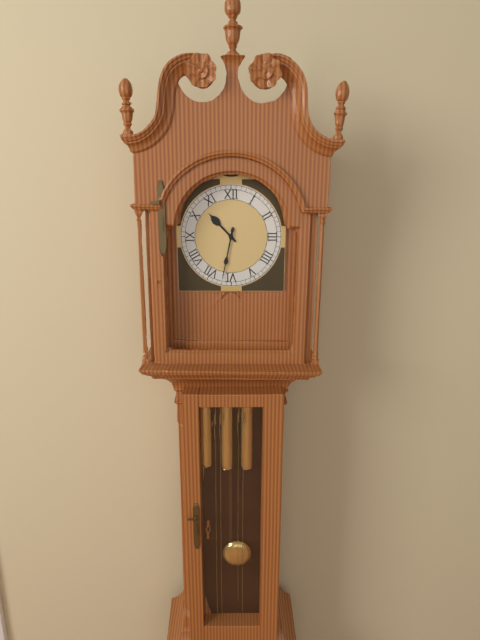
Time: **10:32**
